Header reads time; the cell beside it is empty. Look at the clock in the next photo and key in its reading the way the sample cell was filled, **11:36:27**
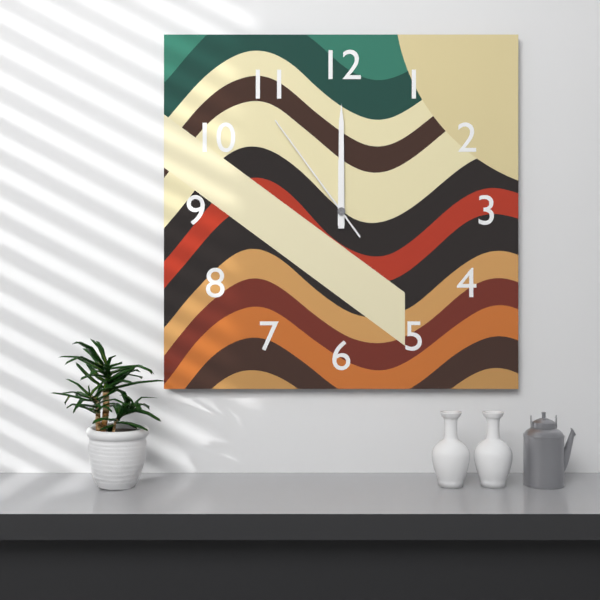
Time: **12:00:54**
